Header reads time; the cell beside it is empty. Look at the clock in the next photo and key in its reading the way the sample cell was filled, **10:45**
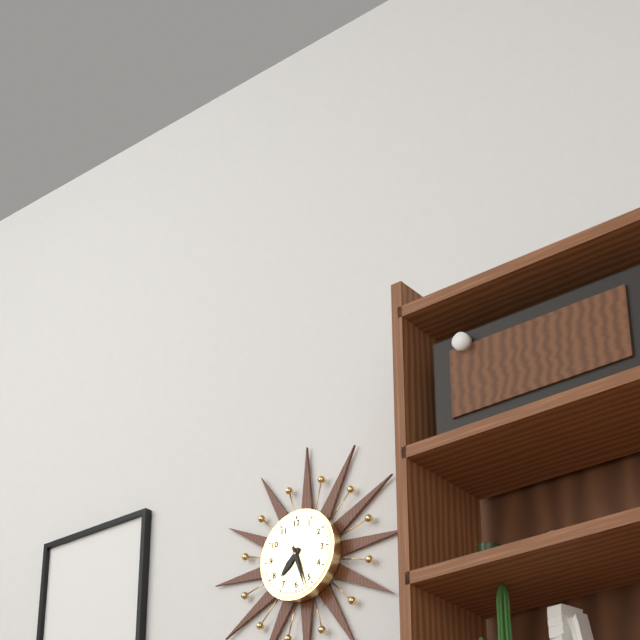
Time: **7:27**
